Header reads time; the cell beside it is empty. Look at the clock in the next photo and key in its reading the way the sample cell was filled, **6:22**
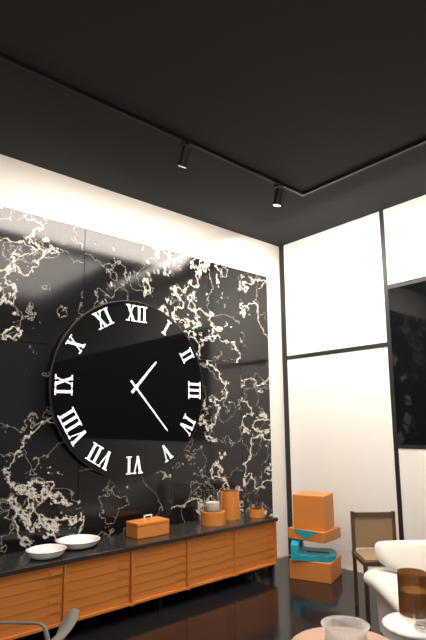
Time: **1:23**
